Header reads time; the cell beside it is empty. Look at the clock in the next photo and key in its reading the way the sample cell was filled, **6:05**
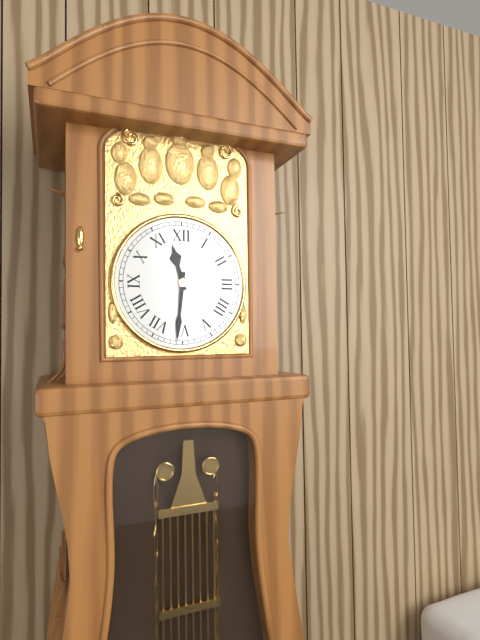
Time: **11:31**
